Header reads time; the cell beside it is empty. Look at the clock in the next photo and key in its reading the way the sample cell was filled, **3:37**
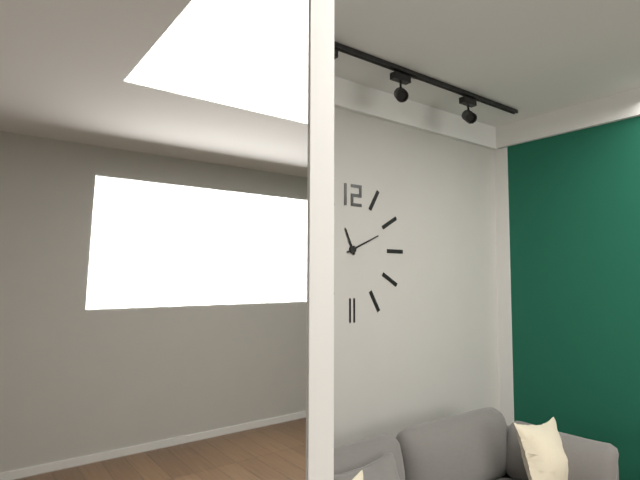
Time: **11:11**
